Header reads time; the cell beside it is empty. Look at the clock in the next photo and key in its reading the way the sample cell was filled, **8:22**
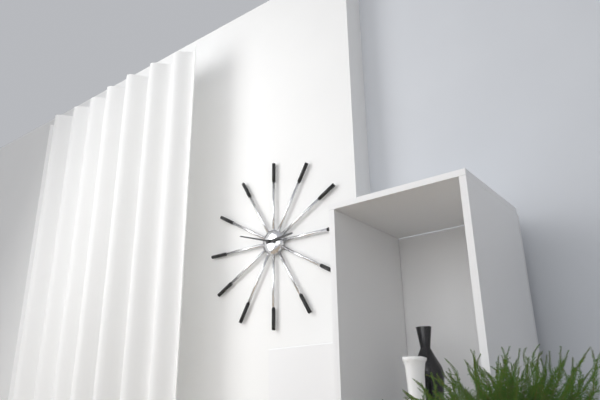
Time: **2:48**
